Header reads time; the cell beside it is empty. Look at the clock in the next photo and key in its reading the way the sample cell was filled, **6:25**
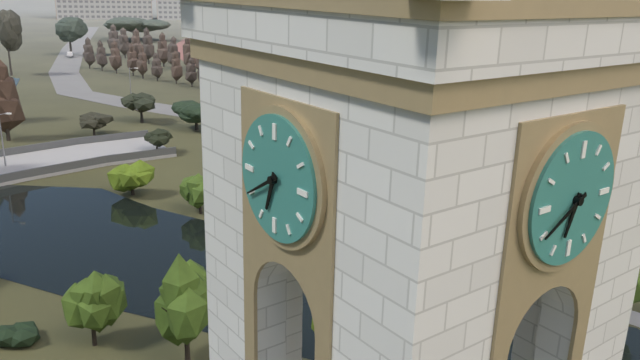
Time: **6:40**
